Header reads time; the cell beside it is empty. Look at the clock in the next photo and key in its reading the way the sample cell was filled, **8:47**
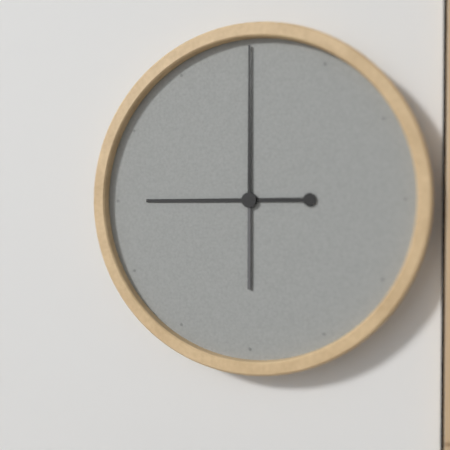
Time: **9:00**
